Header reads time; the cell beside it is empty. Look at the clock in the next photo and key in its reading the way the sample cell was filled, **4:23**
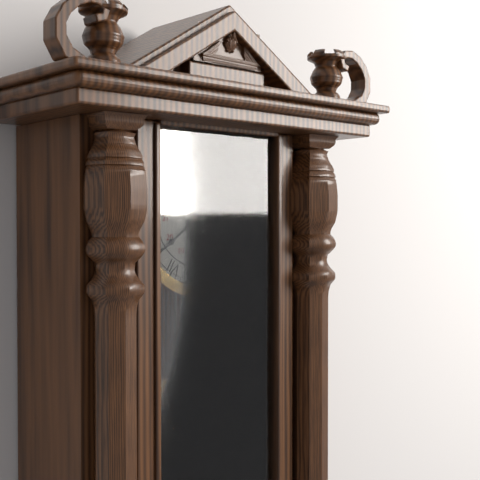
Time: **11:39**
